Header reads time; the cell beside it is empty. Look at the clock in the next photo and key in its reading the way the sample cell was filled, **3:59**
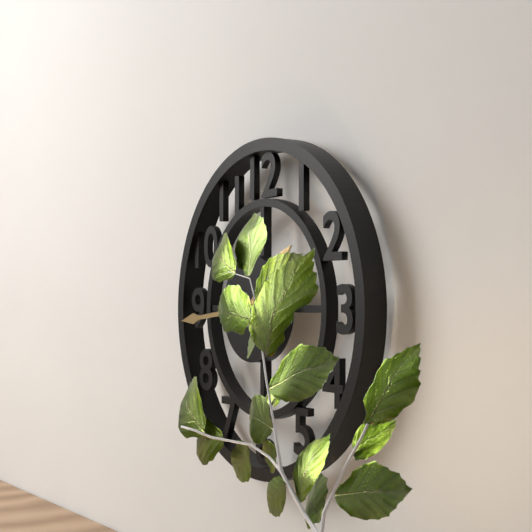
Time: **1:44**
